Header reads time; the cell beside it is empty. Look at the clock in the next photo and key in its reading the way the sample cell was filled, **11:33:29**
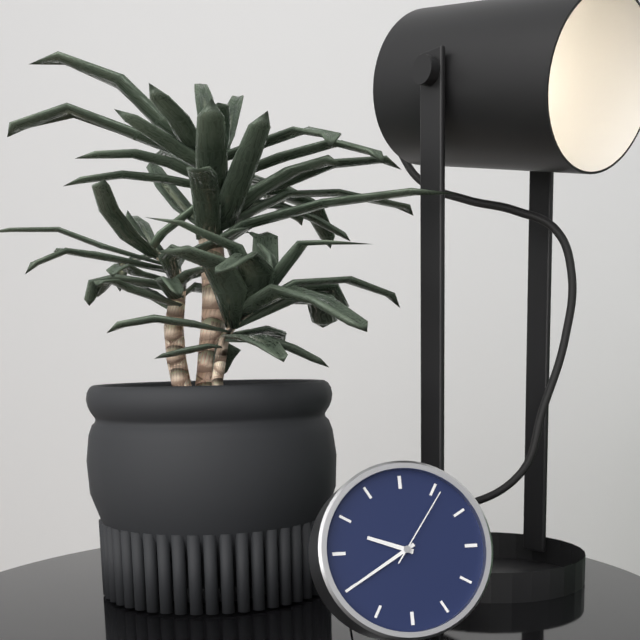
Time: **9:40:06**
